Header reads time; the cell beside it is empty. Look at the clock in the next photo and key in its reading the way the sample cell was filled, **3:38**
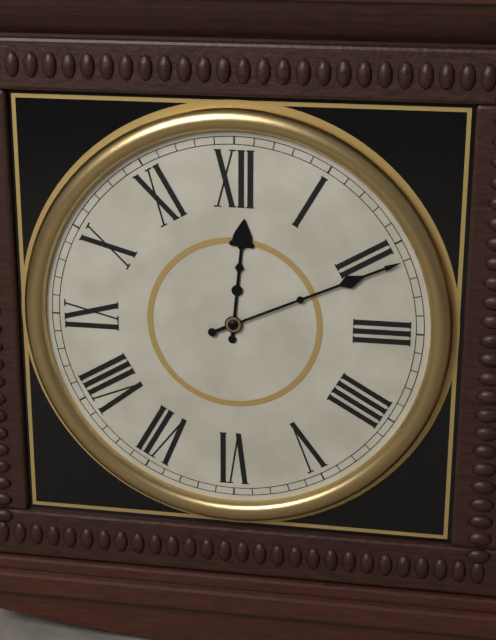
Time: **12:11**
